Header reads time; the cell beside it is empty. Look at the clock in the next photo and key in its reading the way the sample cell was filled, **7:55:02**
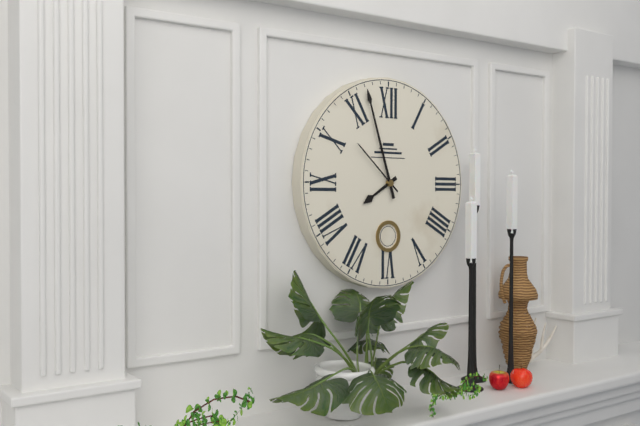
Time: **7:57:52**
